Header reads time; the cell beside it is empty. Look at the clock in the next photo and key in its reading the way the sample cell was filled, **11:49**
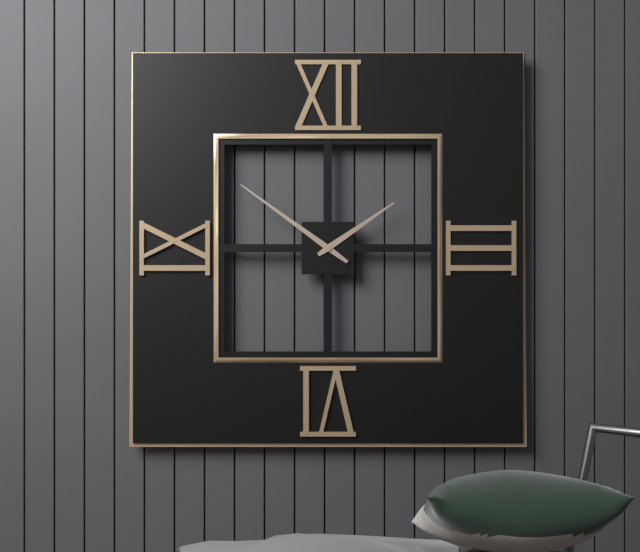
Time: **1:51**
